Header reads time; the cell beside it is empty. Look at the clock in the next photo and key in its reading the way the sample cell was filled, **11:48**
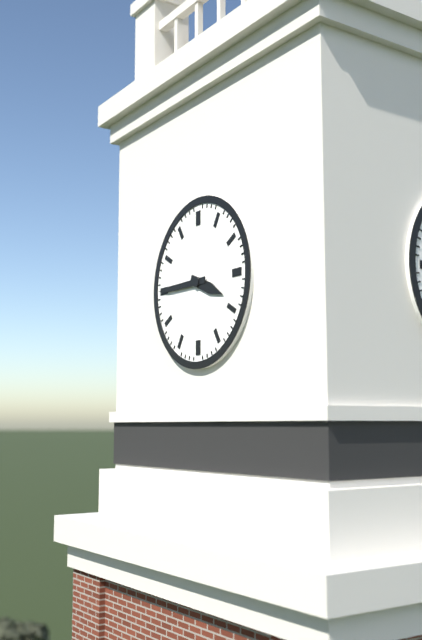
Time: **3:45**
